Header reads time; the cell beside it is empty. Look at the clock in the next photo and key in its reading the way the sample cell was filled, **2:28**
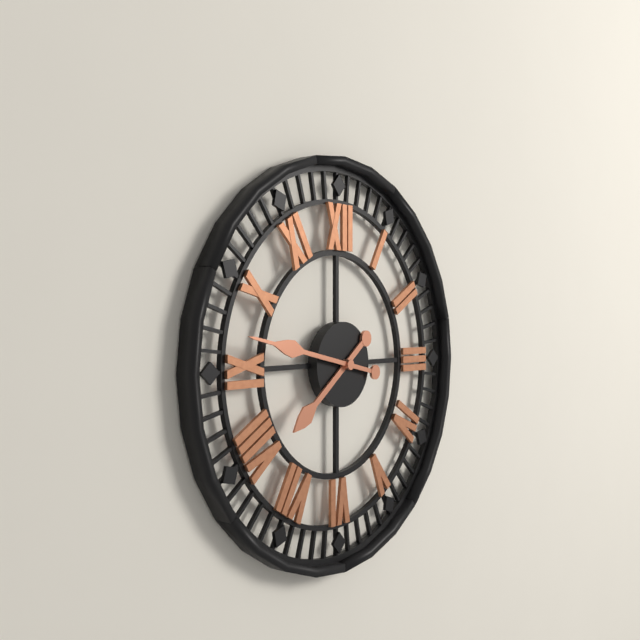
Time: **7:47**
